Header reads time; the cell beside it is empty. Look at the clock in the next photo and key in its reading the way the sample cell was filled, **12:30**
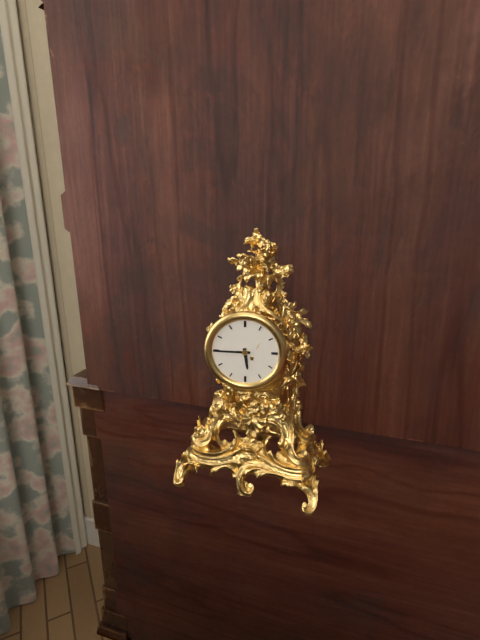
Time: **5:45**
